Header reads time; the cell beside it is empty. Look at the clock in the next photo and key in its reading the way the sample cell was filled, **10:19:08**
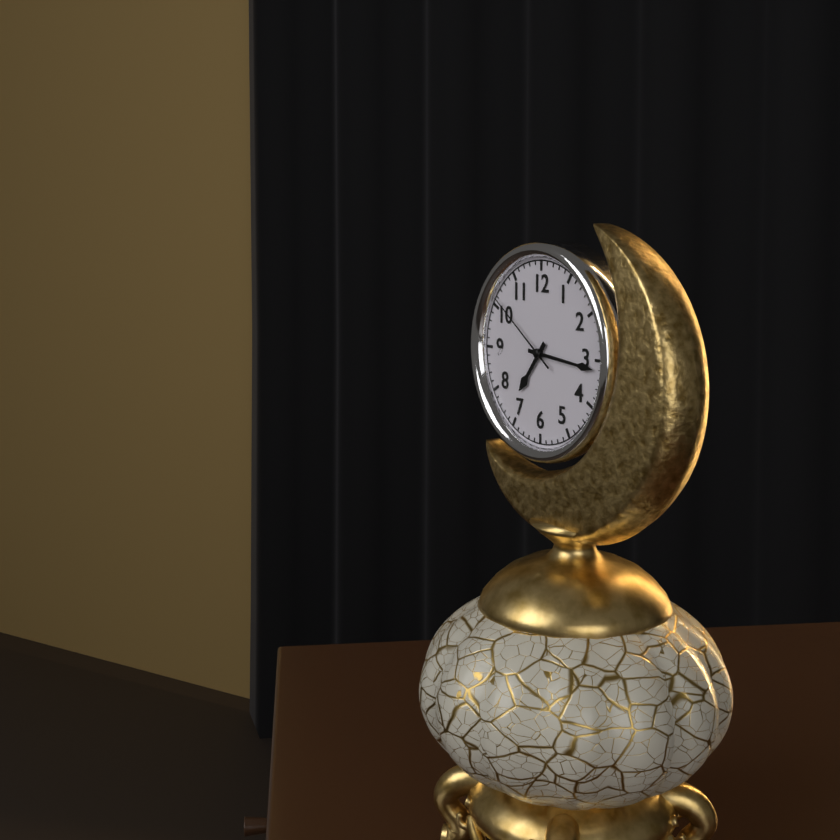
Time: **7:16:51**
